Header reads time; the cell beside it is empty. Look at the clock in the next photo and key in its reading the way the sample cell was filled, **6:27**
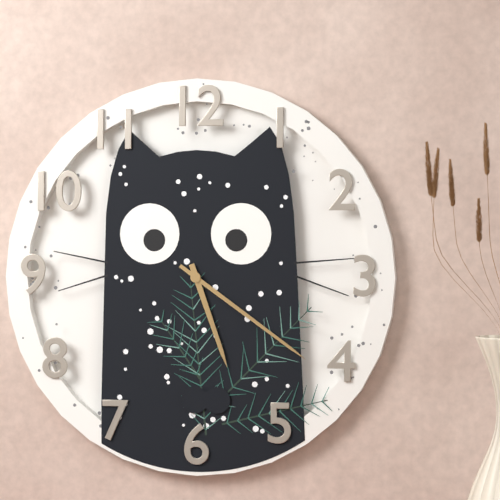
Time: **5:21**
